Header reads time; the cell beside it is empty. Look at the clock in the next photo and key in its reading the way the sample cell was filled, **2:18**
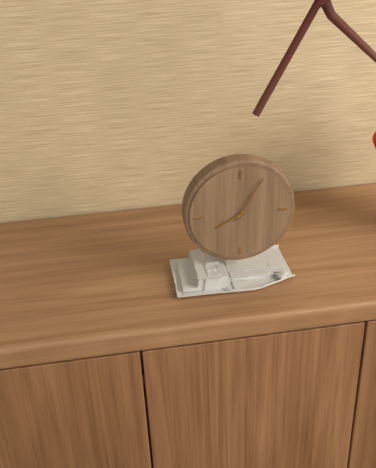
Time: **8:05**
